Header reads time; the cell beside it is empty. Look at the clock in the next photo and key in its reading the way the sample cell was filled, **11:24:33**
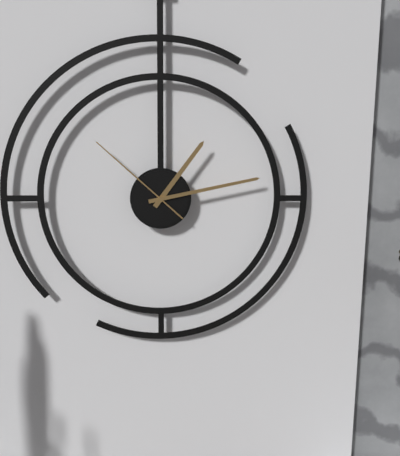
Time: **1:13:52**
